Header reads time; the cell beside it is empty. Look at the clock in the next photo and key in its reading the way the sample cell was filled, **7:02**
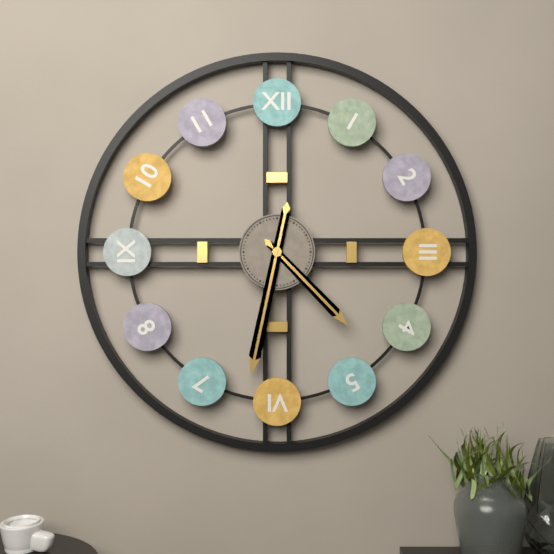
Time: **4:32**
